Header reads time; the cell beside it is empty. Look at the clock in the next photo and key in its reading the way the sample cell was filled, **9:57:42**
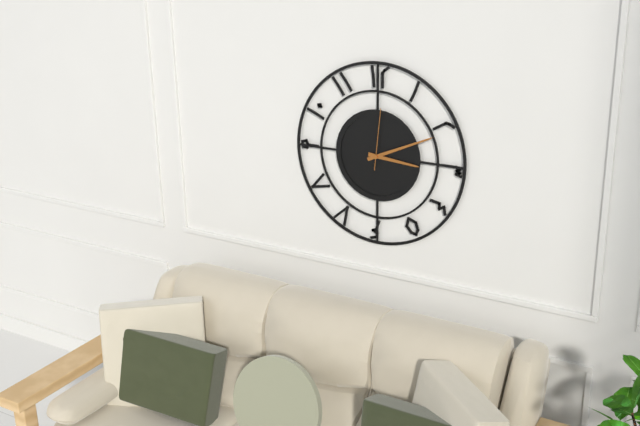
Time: **3:11:01**
